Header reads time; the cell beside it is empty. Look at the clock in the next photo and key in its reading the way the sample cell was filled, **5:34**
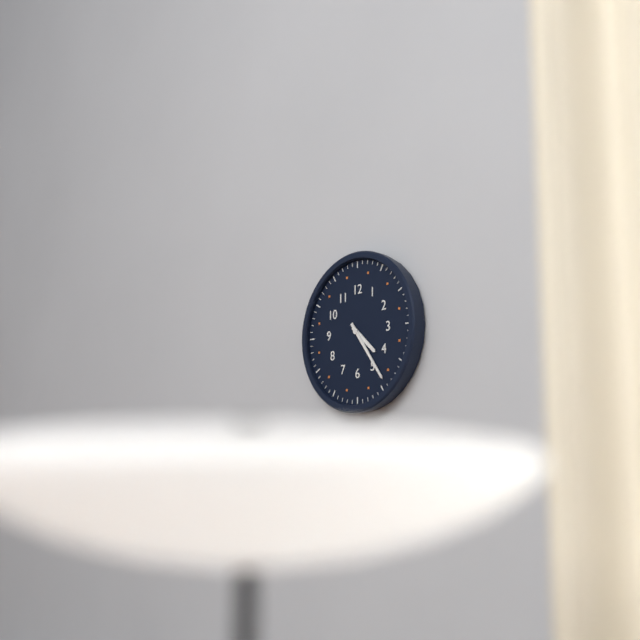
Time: **4:24**
